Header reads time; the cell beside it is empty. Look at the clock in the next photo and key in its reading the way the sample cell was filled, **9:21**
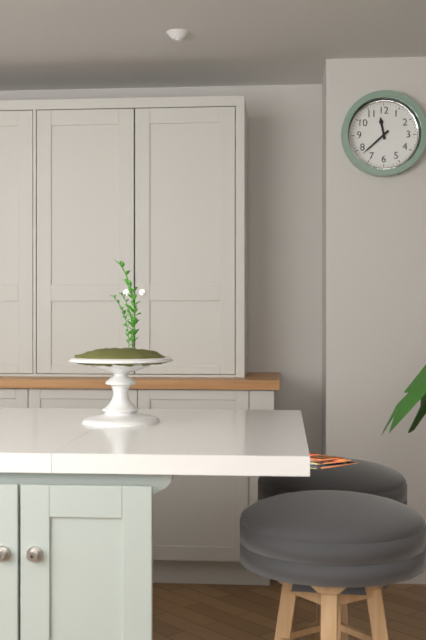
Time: **11:38**
